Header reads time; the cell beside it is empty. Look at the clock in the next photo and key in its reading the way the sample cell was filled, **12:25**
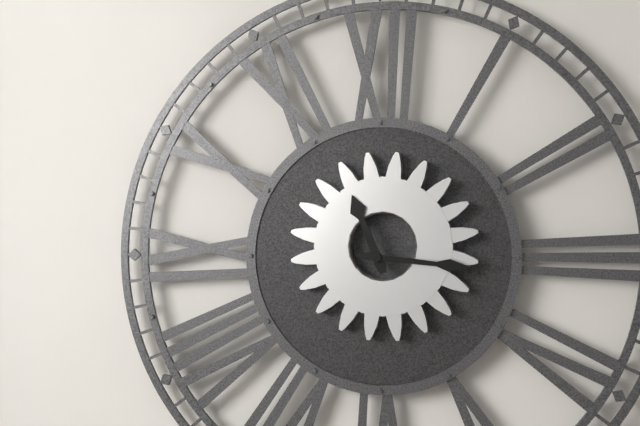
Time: **11:16**
